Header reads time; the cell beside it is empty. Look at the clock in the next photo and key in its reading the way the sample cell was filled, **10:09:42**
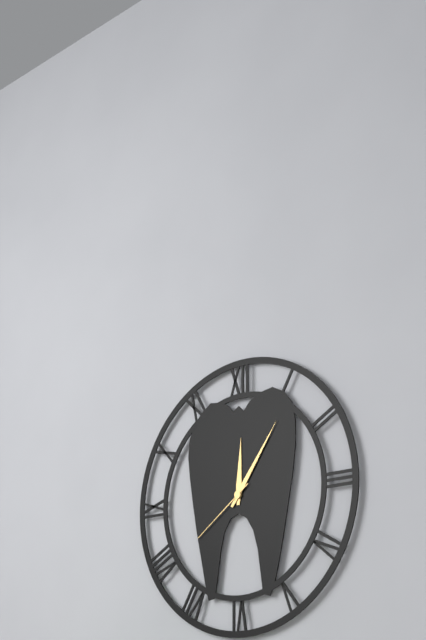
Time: **12:06:39**
